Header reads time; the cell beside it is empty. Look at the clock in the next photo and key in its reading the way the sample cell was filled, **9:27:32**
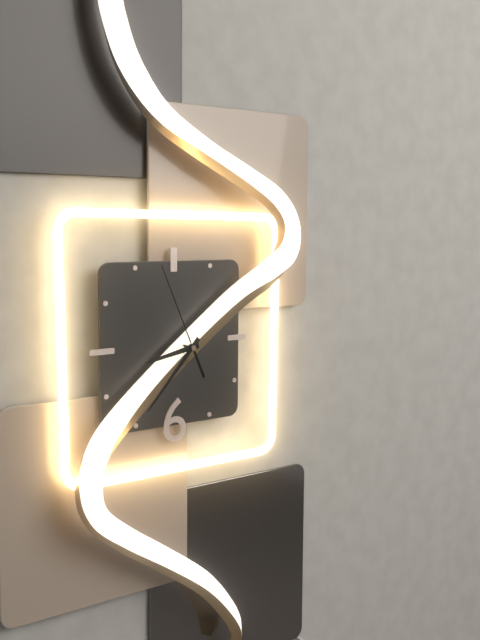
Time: **8:37:56**
